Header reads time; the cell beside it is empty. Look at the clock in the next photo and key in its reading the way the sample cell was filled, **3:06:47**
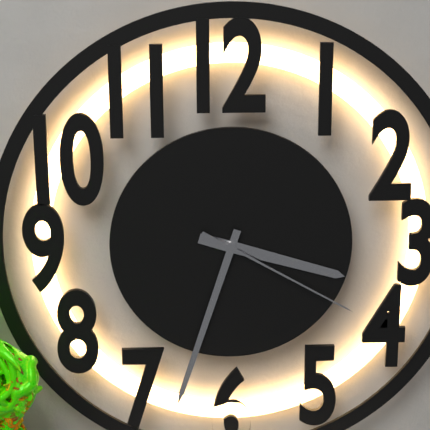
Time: **3:33:20**
